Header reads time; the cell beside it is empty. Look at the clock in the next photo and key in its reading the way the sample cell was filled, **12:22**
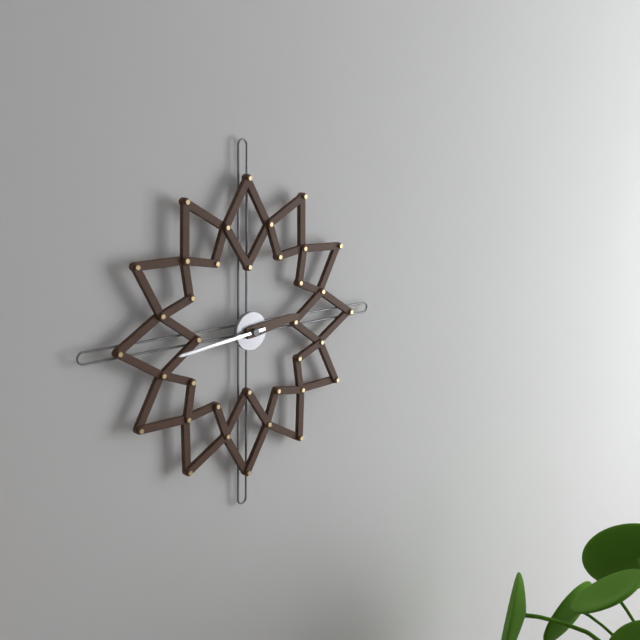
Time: **2:44**
